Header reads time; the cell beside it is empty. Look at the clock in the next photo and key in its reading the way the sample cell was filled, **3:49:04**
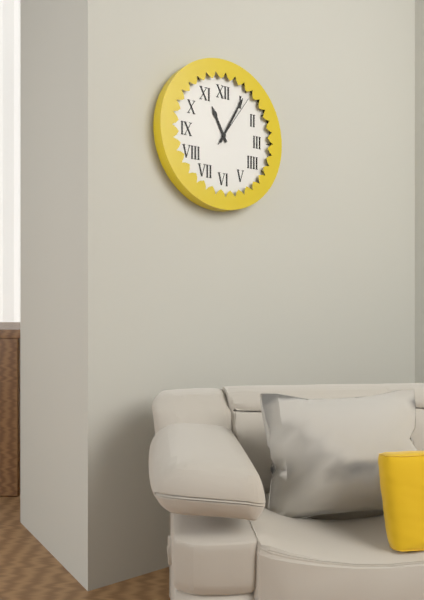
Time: **11:05:06**
